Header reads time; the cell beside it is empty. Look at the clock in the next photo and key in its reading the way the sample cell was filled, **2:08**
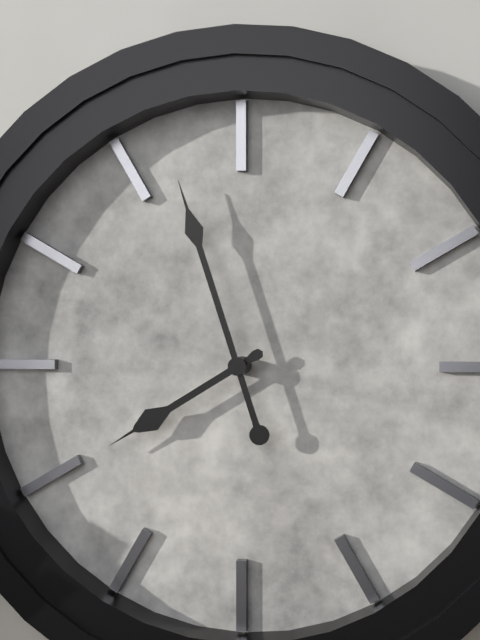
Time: **7:57**
